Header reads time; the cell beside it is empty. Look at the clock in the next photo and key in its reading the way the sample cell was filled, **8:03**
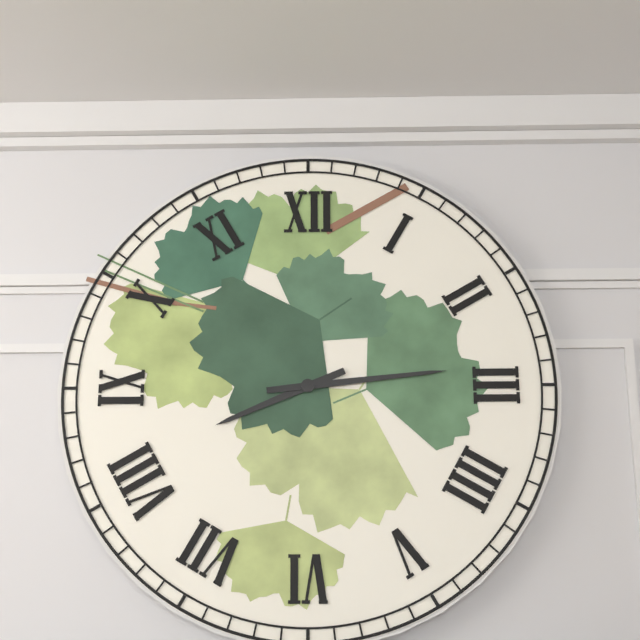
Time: **8:14**
